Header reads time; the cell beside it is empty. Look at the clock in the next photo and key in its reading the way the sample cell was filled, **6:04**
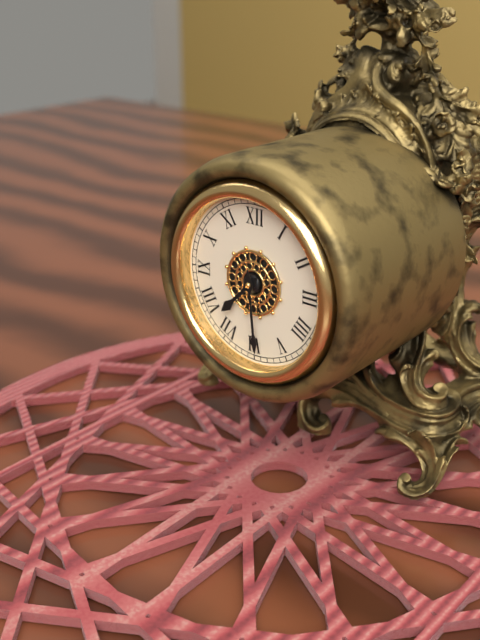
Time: **7:29**
